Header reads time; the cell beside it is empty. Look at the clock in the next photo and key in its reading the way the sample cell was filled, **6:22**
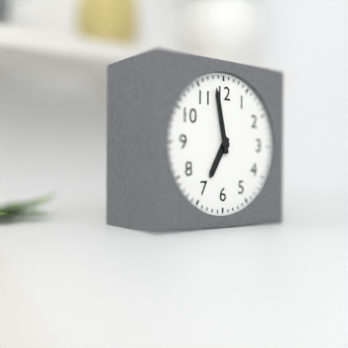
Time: **6:58**
